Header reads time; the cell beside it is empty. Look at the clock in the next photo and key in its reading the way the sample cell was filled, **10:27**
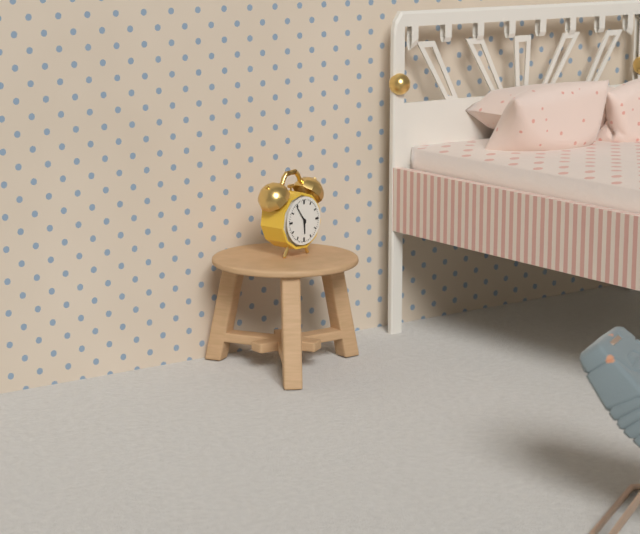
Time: **5:54**
